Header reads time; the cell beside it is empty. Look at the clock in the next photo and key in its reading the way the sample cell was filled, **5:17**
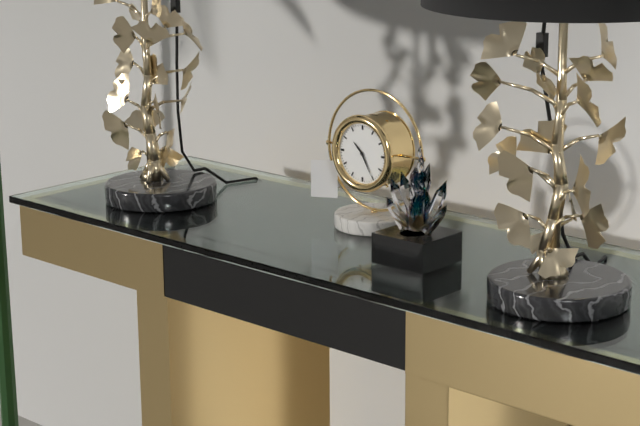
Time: **10:25**
